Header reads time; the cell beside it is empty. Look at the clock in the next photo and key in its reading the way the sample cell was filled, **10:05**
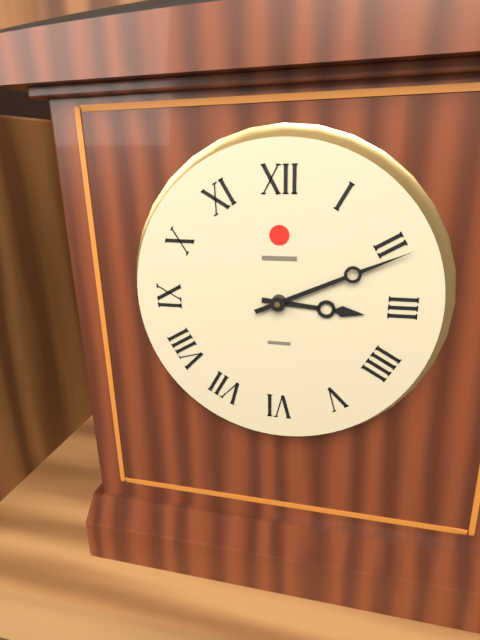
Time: **3:11**
